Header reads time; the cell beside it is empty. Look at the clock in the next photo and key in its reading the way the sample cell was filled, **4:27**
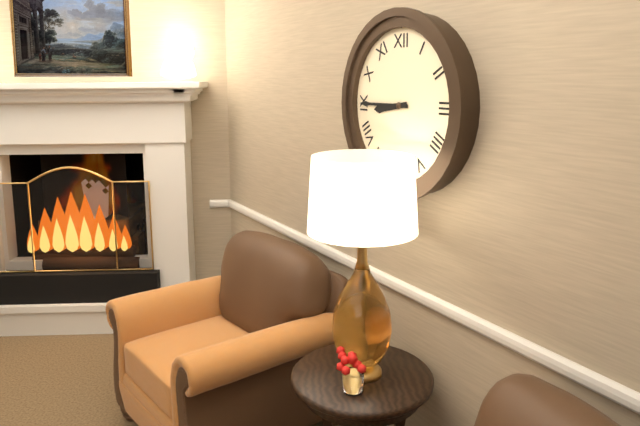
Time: **8:45**
